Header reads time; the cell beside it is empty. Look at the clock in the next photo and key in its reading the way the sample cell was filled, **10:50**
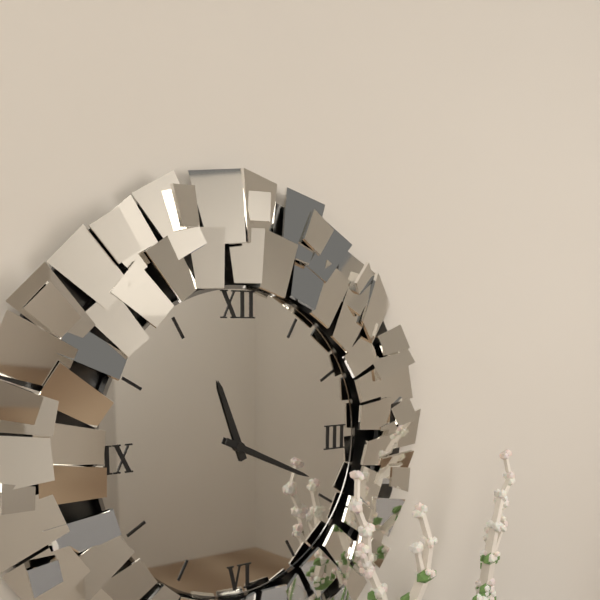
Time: **11:19**
